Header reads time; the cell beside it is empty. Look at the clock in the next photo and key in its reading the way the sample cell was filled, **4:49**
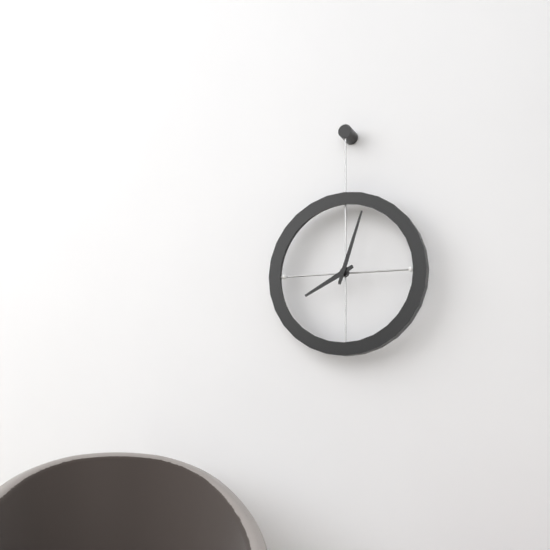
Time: **8:03**
